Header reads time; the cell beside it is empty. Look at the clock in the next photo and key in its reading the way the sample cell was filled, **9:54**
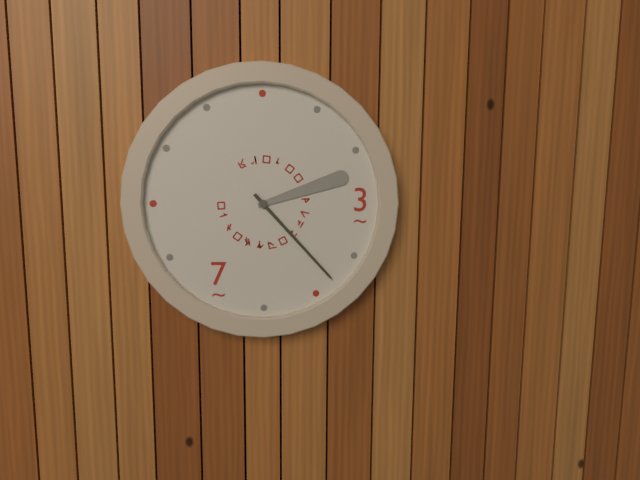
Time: **2:23**
